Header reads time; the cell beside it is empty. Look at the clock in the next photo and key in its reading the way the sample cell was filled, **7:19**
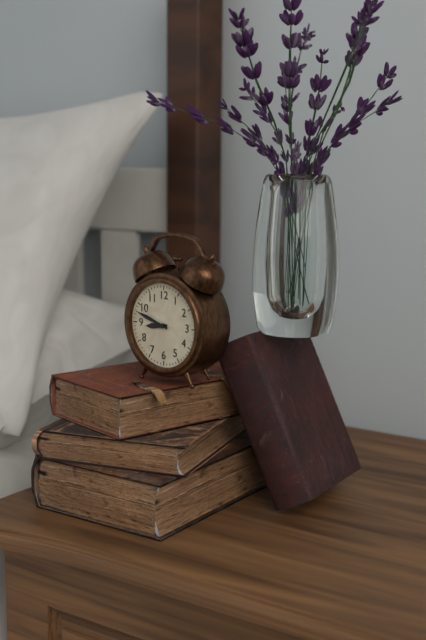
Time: **8:48**
